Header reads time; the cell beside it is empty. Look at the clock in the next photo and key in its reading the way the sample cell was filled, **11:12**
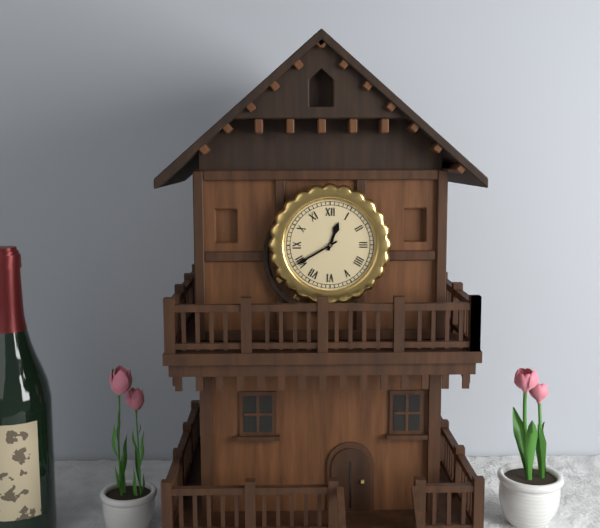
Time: **12:40**
